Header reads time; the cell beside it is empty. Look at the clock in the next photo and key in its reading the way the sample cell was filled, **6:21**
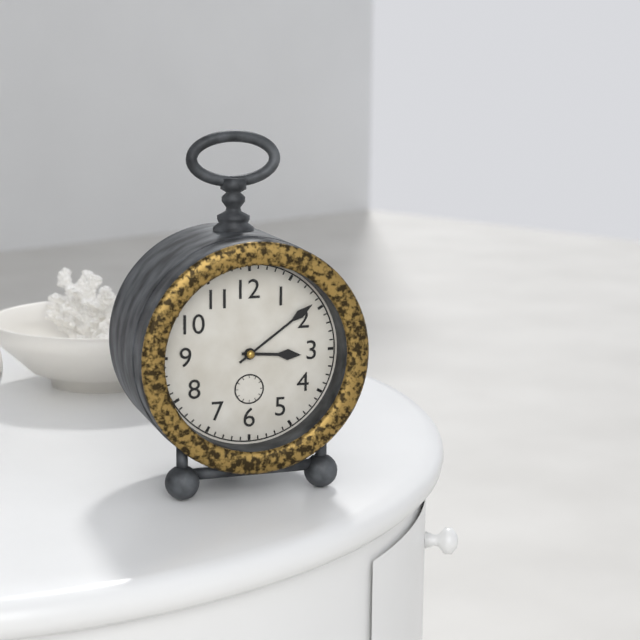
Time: **3:09**
